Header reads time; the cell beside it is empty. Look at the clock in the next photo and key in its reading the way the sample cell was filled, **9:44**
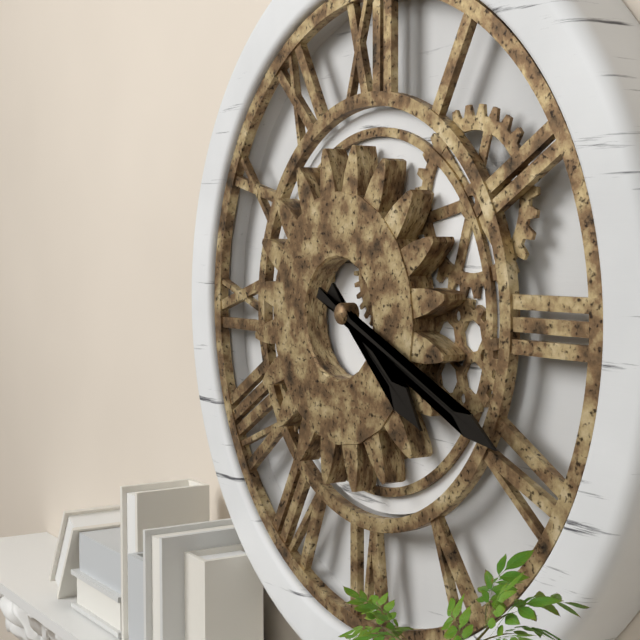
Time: **4:19**
